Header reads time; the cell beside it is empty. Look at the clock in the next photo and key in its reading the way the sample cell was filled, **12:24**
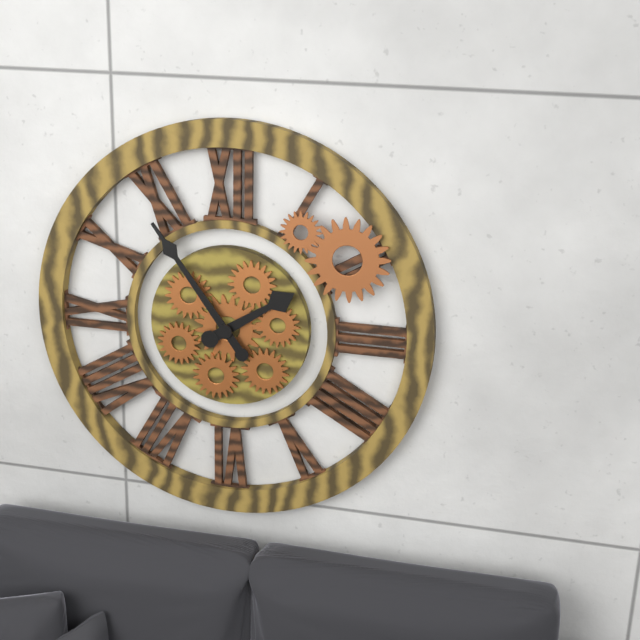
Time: **1:54**
